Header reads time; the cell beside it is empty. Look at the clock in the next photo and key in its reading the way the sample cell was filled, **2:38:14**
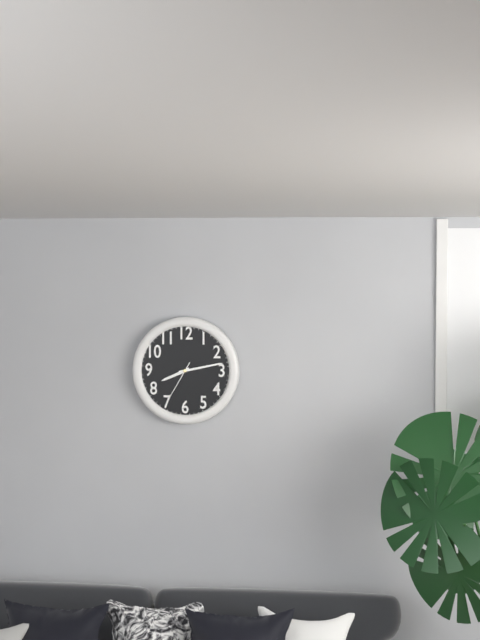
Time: **8:13:35**
